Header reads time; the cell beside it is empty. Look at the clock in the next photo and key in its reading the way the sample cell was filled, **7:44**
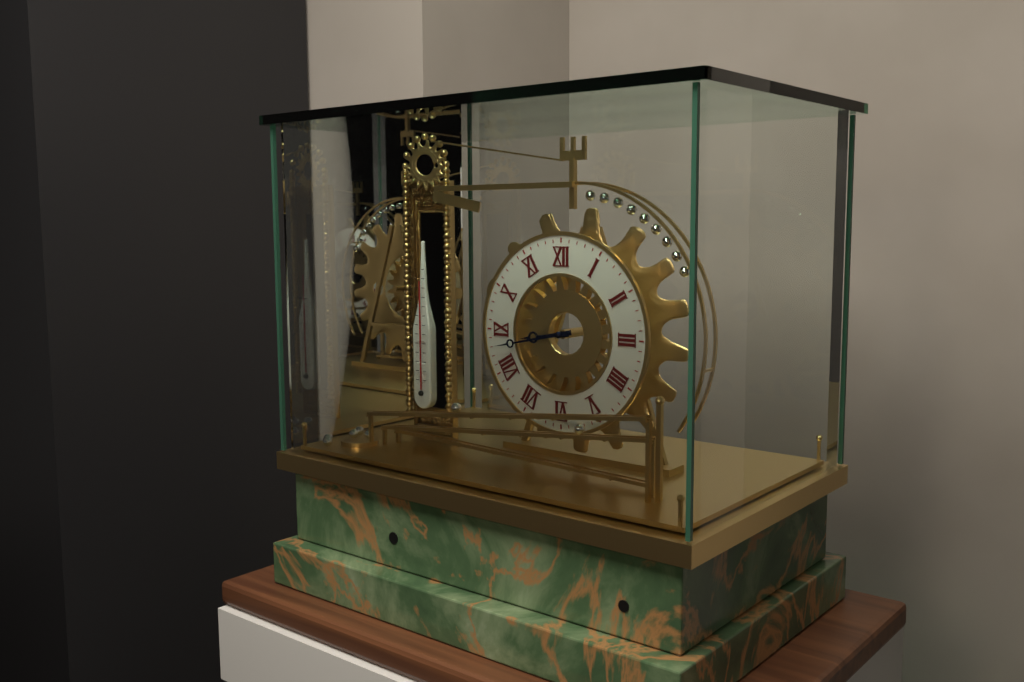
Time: **8:43**
